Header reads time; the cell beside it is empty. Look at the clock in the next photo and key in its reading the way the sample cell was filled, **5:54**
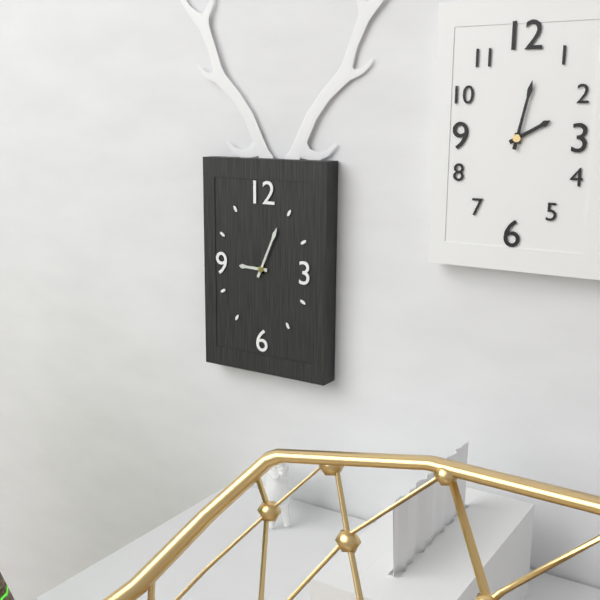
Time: **9:04**
